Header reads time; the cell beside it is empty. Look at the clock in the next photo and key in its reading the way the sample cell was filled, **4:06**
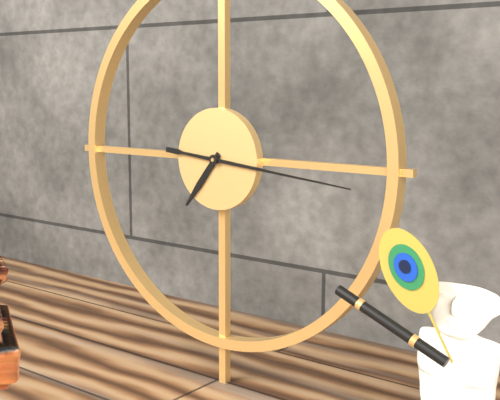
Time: **7:16**
